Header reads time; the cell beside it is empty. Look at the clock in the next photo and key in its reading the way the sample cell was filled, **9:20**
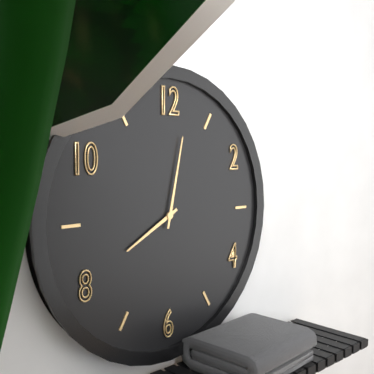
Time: **8:02**
